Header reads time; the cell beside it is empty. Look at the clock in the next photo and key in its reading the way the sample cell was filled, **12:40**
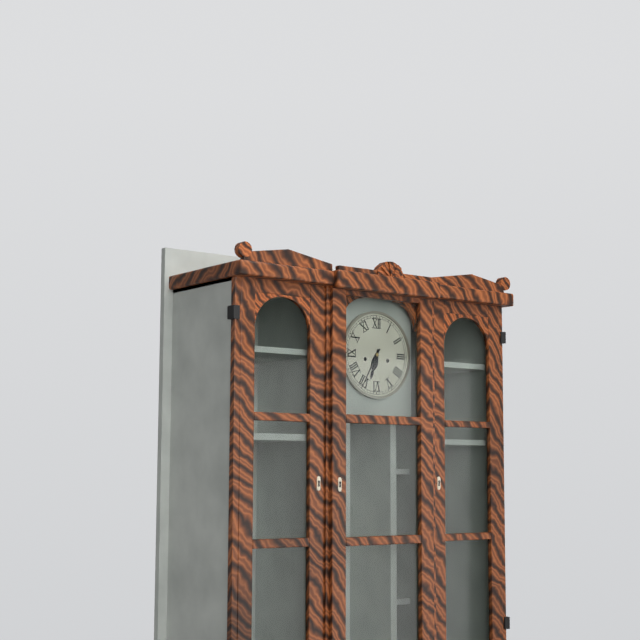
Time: **6:35**
